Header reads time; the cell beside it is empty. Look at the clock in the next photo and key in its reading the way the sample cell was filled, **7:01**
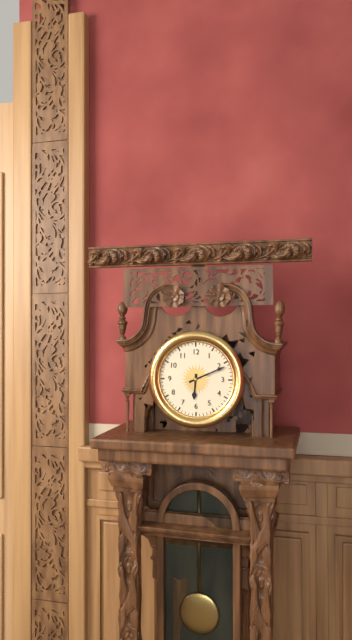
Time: **6:11**
